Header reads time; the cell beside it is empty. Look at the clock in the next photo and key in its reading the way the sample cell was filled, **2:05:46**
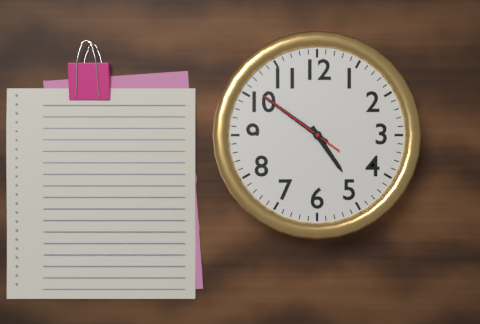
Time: **4:51:51**
